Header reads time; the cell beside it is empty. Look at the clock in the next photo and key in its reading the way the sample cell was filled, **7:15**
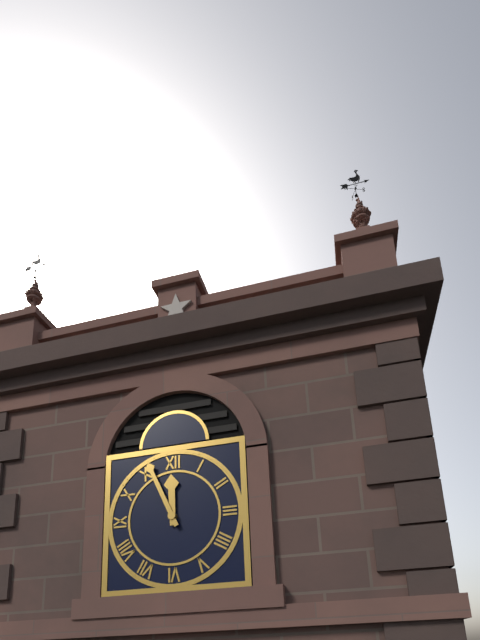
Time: **11:56**
